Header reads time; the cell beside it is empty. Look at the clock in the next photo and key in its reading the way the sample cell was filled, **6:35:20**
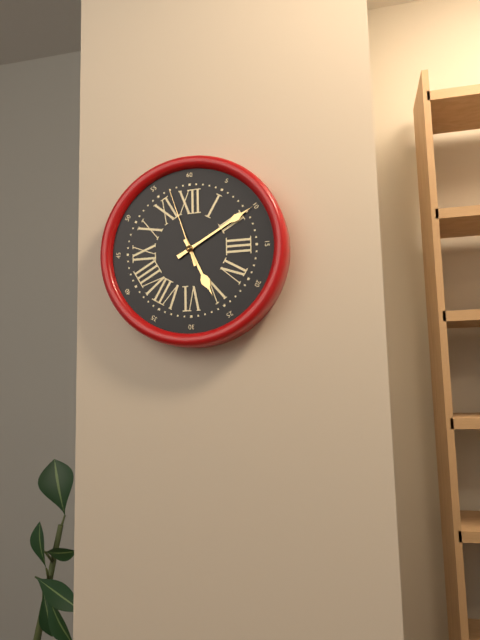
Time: **5:10:57**
